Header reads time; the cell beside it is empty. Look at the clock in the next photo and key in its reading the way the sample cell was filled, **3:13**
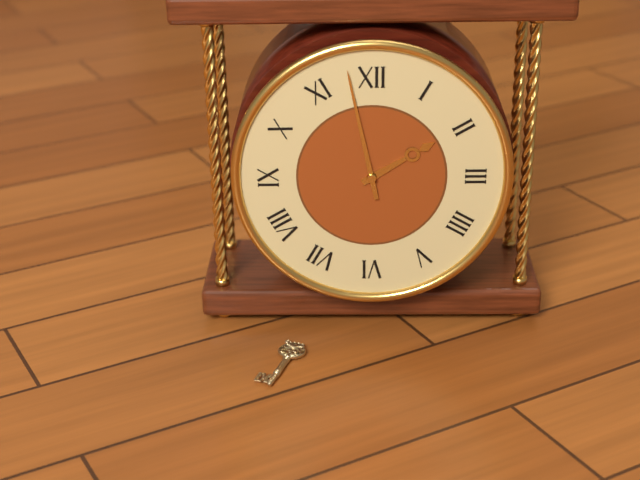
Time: **1:58**
